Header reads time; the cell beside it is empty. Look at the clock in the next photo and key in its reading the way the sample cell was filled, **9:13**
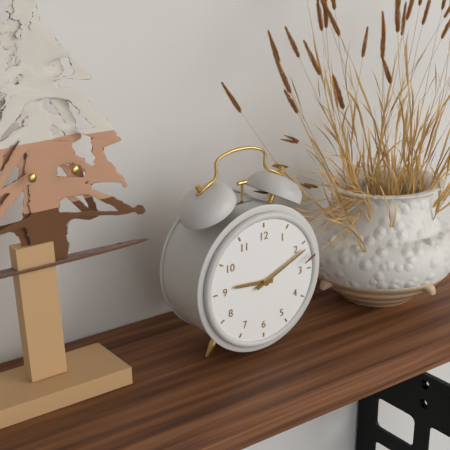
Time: **9:11**
